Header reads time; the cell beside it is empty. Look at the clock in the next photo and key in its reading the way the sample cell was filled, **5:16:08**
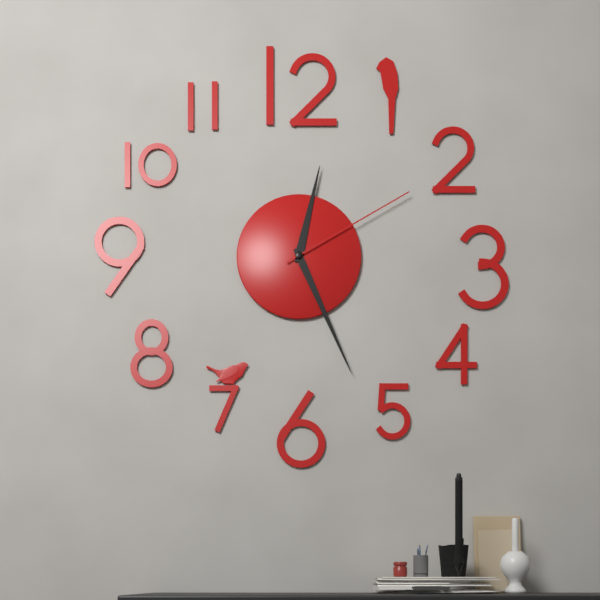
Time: **12:26:10**
